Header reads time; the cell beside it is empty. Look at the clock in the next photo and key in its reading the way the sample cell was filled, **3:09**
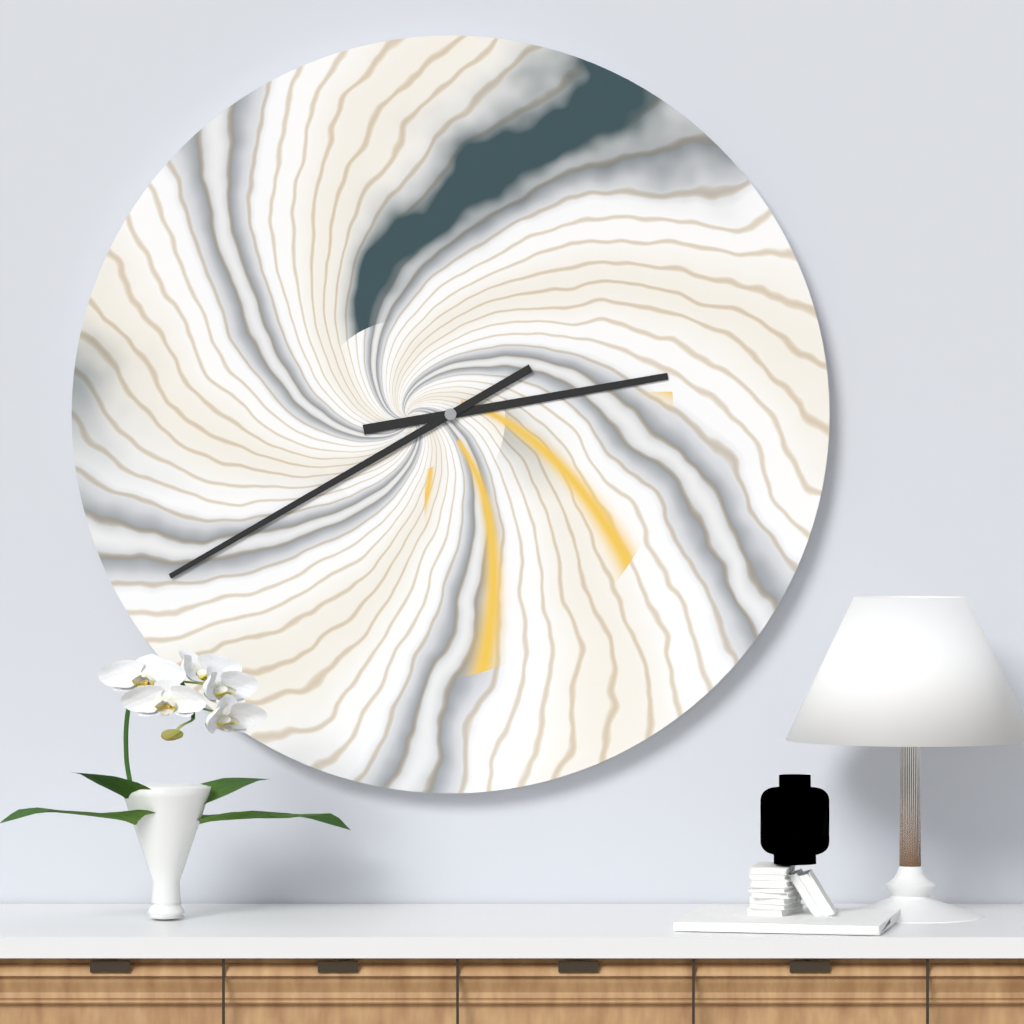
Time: **2:40**
